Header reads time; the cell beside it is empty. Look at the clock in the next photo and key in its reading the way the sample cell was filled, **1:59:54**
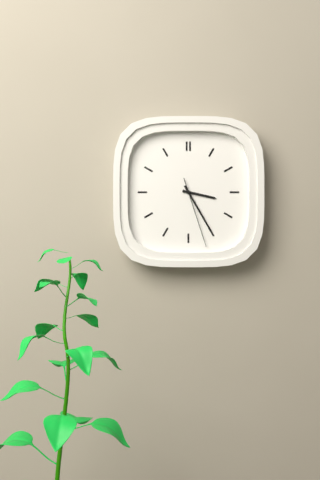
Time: **3:25:27**
